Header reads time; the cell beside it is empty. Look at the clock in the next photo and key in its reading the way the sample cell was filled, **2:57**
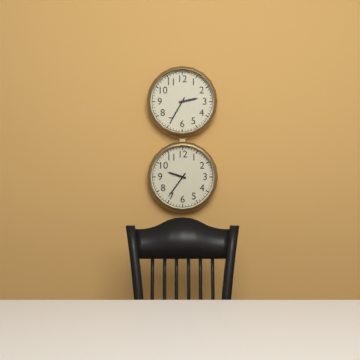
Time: **2:35**
